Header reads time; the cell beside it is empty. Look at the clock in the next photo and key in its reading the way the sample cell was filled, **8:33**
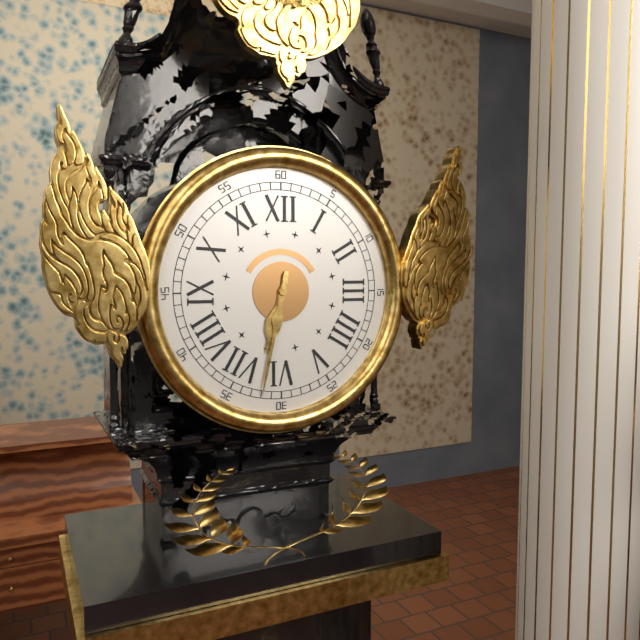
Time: **6:32**
